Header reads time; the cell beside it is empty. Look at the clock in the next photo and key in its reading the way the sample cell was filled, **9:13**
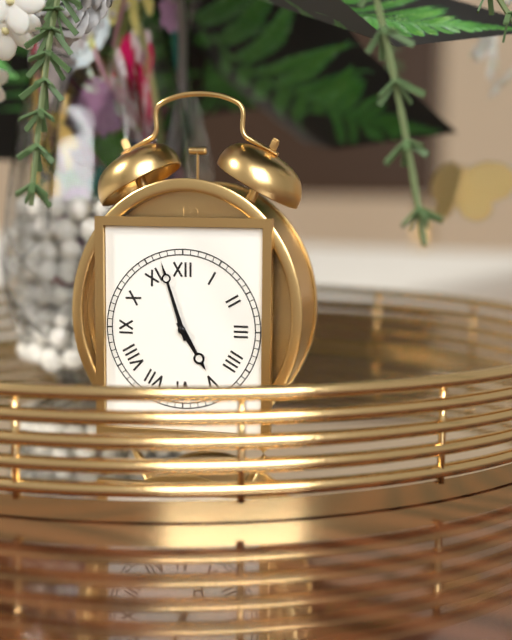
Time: **4:57**
